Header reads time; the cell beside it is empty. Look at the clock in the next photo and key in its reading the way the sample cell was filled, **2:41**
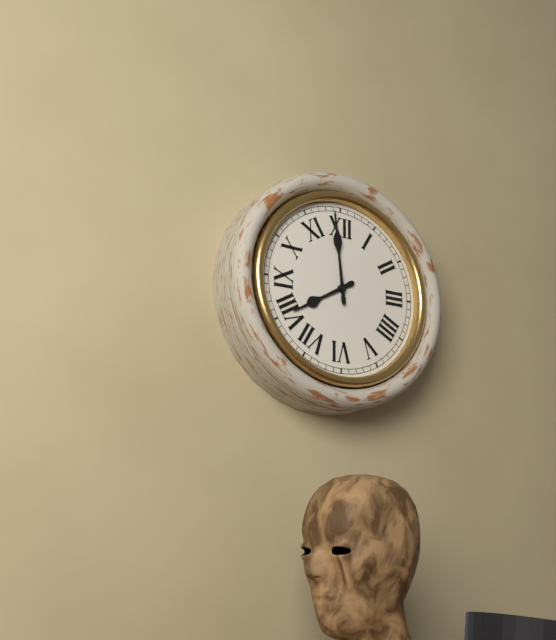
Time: **7:59**
